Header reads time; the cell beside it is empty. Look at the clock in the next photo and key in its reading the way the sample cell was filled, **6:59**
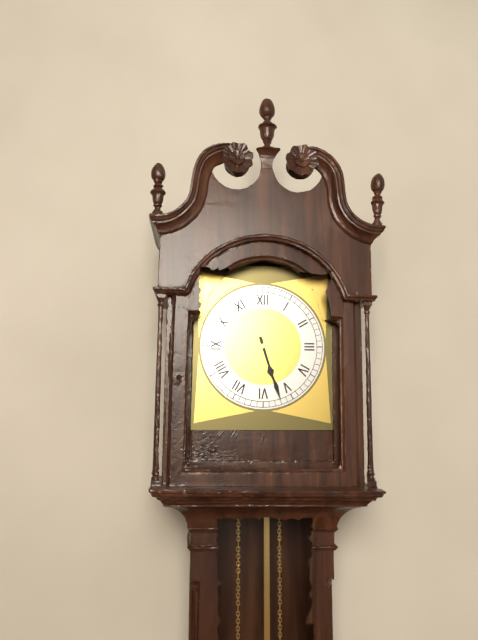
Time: **5:27**
